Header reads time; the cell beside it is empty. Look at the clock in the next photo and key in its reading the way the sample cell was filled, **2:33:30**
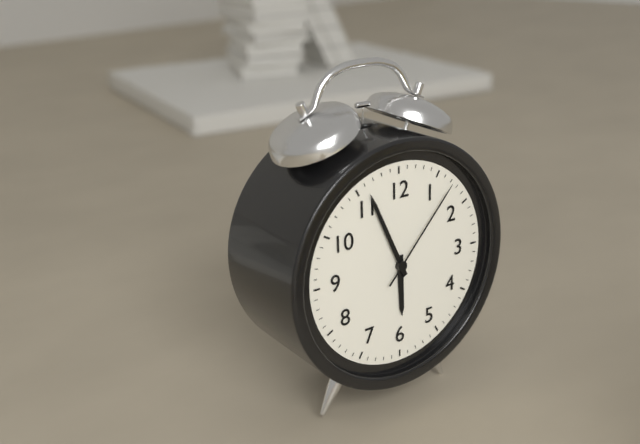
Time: **5:56:07**
